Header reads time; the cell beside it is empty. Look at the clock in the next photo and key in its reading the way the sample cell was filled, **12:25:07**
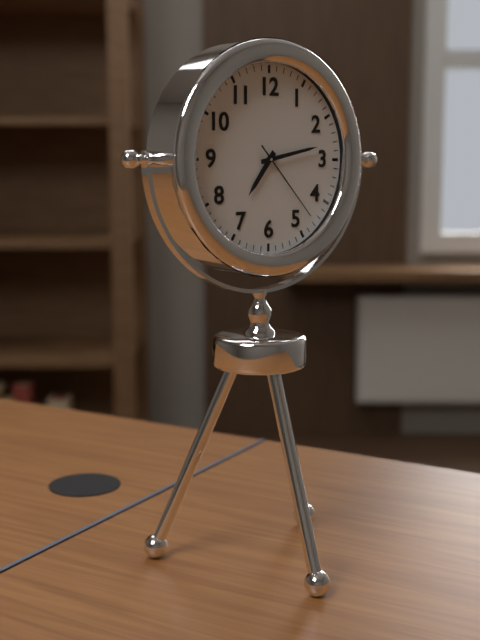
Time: **7:13:23**
